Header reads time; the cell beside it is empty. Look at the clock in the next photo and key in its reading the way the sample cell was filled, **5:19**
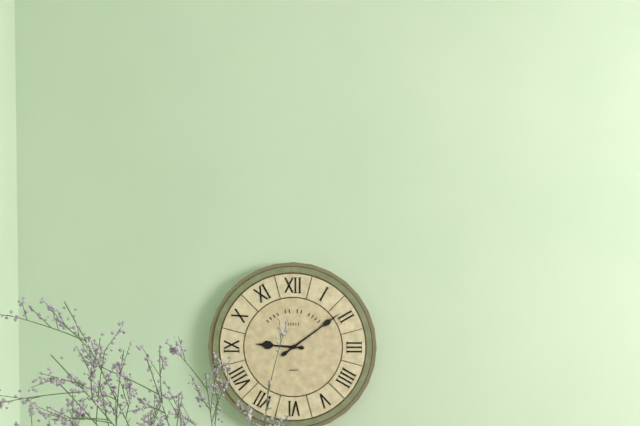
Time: **9:09**
